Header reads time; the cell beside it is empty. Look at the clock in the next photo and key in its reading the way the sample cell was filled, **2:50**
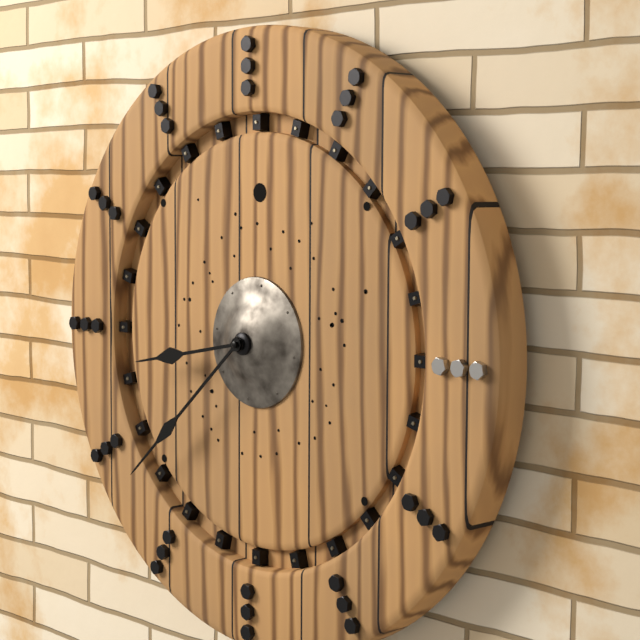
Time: **8:38**
